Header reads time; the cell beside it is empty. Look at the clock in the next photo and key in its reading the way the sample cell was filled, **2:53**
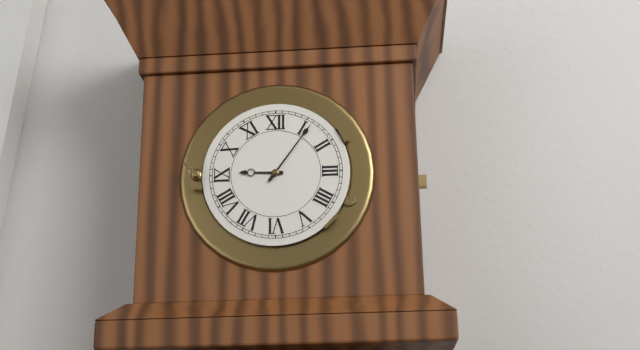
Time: **9:06**
